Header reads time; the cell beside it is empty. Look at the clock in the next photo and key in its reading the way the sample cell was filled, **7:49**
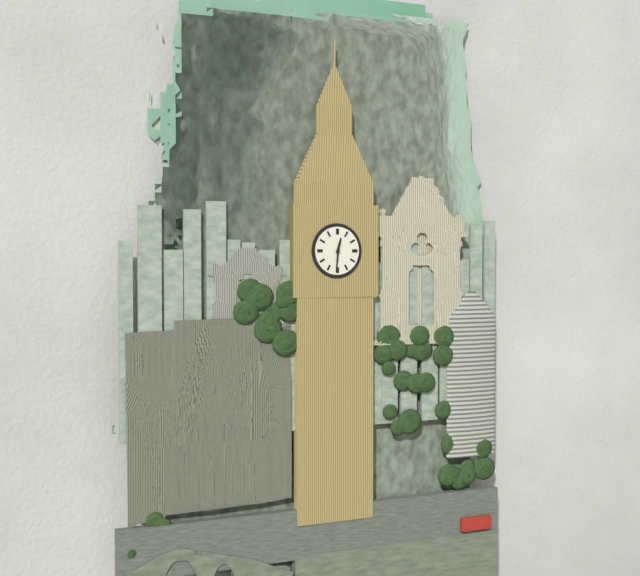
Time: **12:31**
